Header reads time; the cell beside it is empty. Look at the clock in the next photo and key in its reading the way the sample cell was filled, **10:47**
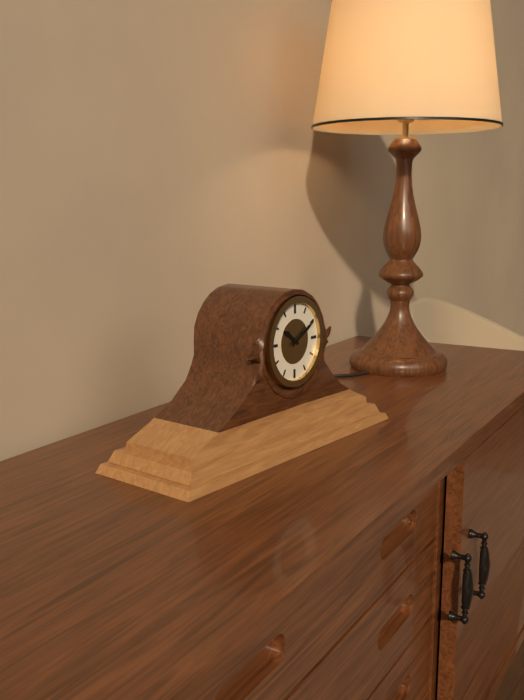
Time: **10:10**
